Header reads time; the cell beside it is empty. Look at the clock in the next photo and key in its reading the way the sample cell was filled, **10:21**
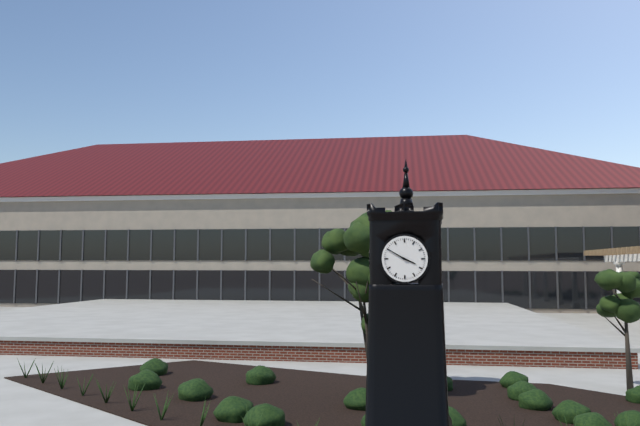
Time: **3:50**
